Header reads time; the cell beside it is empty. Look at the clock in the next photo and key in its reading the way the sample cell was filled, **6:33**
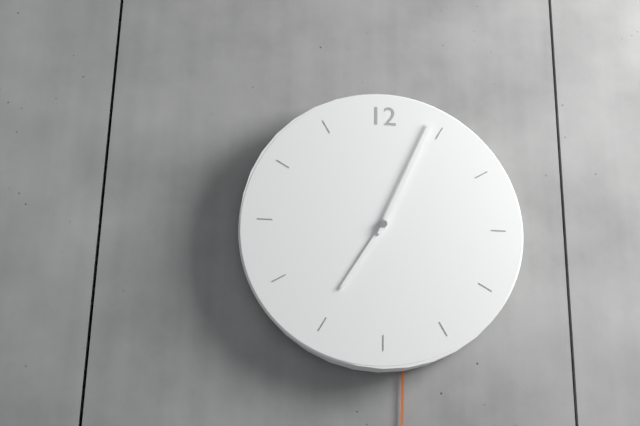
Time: **7:04**
